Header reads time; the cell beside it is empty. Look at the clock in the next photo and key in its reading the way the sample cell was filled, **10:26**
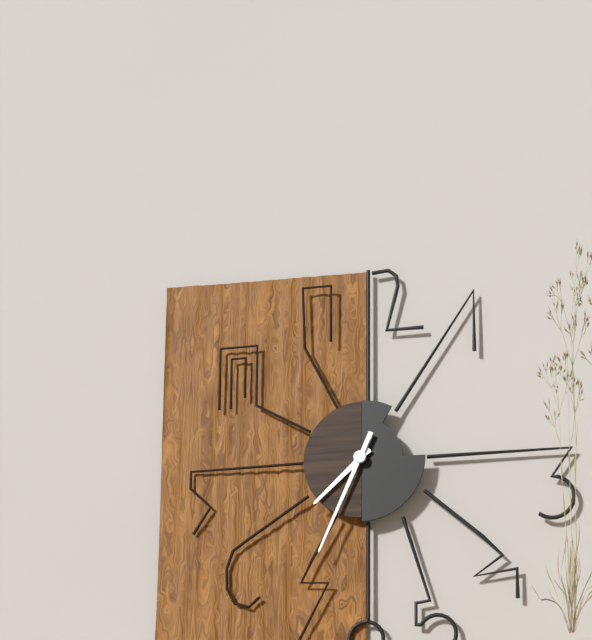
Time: **7:34**
